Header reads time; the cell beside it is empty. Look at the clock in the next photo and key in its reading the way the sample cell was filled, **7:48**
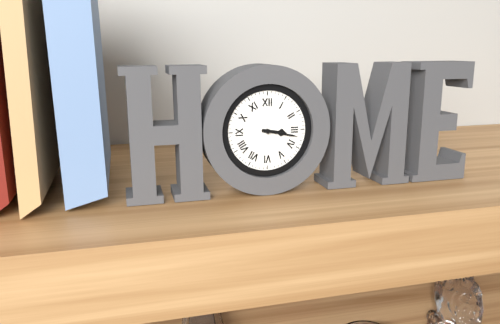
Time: **3:17**
